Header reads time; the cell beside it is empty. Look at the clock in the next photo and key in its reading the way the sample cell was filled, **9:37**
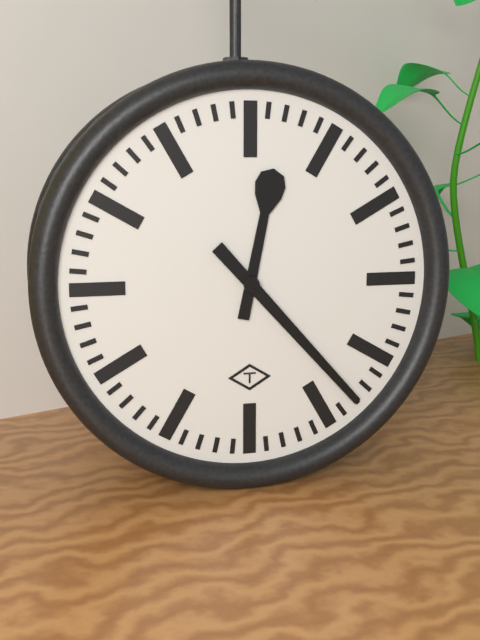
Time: **12:23**
